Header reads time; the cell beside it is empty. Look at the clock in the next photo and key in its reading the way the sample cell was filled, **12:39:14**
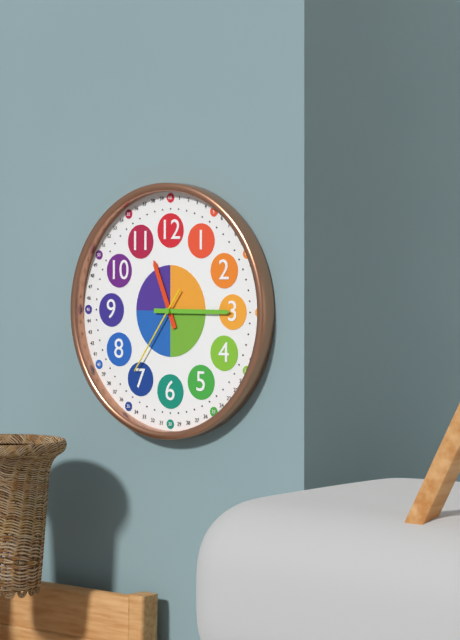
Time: **11:15:36**
